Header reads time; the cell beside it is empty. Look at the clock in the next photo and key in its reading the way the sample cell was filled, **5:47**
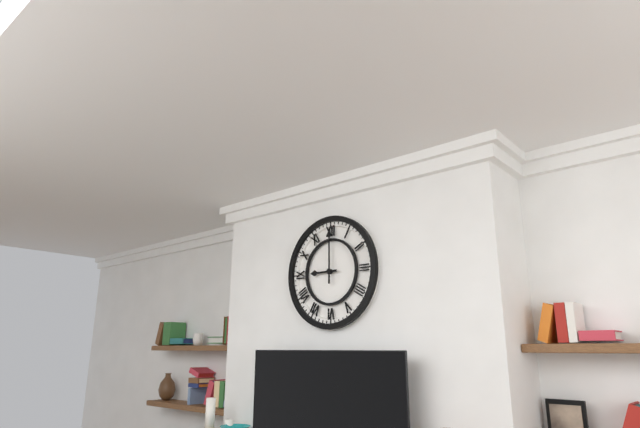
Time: **9:00**
